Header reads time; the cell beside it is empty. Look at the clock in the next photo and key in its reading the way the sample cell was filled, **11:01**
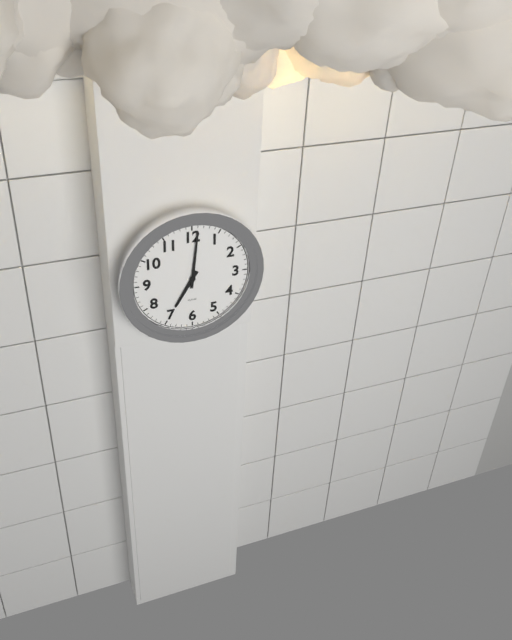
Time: **7:01**
